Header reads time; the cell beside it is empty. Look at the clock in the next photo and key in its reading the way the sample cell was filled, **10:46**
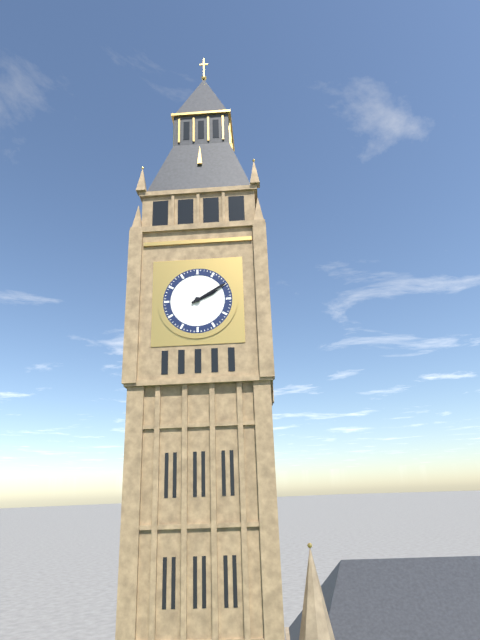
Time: **2:10**
